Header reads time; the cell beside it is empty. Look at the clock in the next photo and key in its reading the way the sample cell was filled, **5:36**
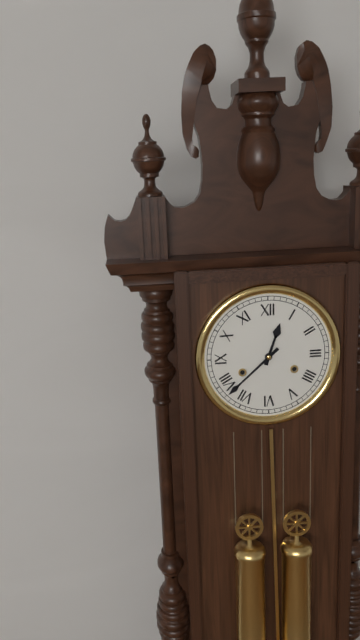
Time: **12:38**
